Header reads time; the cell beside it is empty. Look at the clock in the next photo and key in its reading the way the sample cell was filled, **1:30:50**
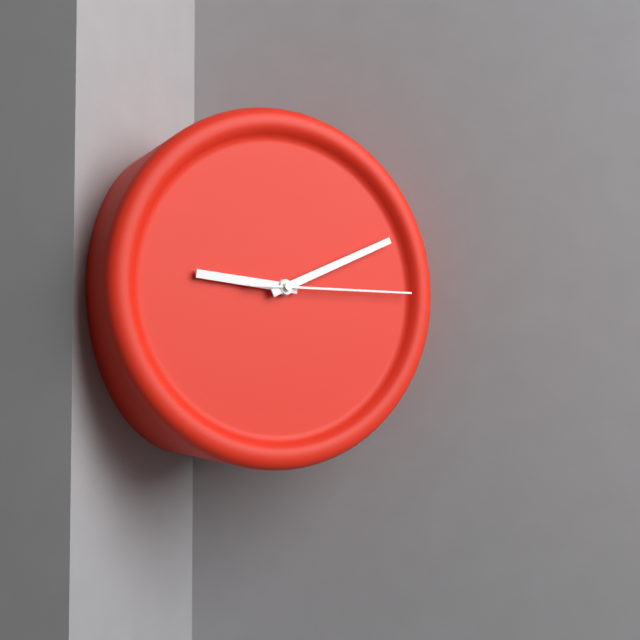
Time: **9:11:15**
